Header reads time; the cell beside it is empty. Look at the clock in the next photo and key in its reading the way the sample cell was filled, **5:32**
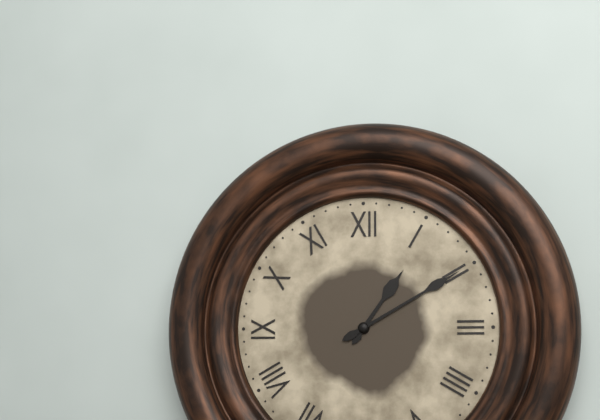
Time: **1:10**
